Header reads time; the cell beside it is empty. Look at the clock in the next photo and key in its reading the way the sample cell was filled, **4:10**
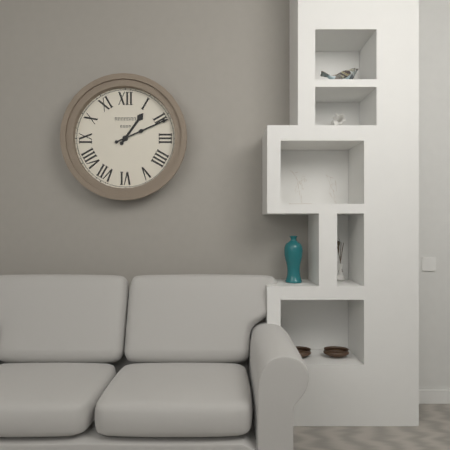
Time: **1:11**
